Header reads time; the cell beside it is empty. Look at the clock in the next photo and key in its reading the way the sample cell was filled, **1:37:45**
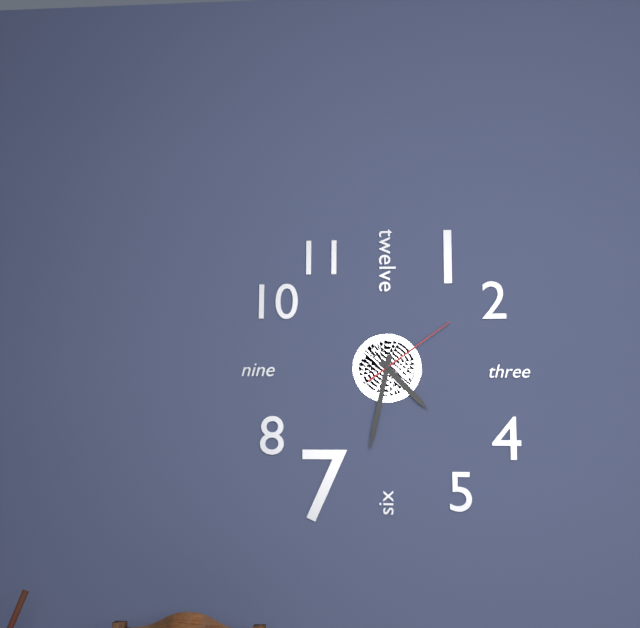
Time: **4:32:09**
